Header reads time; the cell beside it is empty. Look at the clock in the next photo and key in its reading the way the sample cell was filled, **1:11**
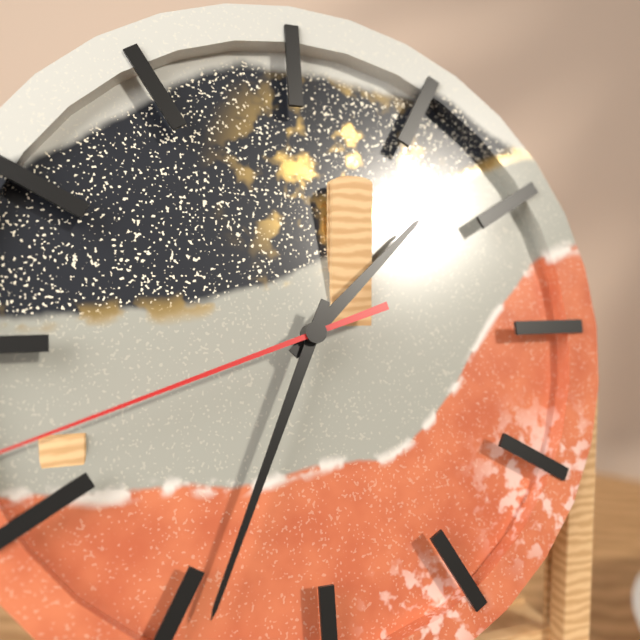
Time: **1:34**
